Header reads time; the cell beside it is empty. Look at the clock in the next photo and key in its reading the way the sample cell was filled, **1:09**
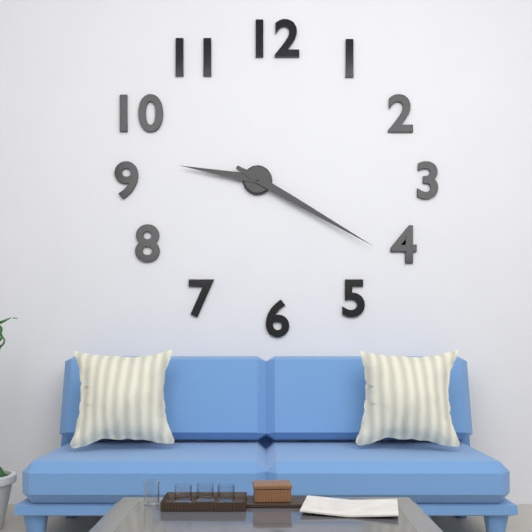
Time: **9:20**
